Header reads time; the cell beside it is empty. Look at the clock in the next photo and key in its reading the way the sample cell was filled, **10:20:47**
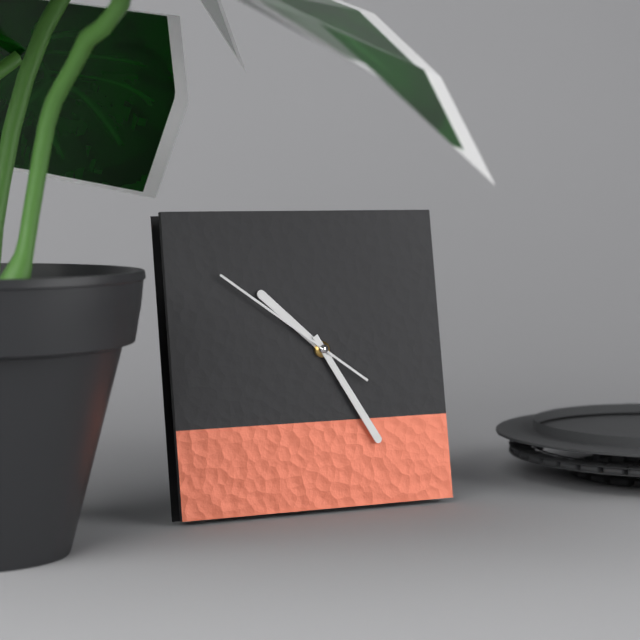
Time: **10:25:51**
